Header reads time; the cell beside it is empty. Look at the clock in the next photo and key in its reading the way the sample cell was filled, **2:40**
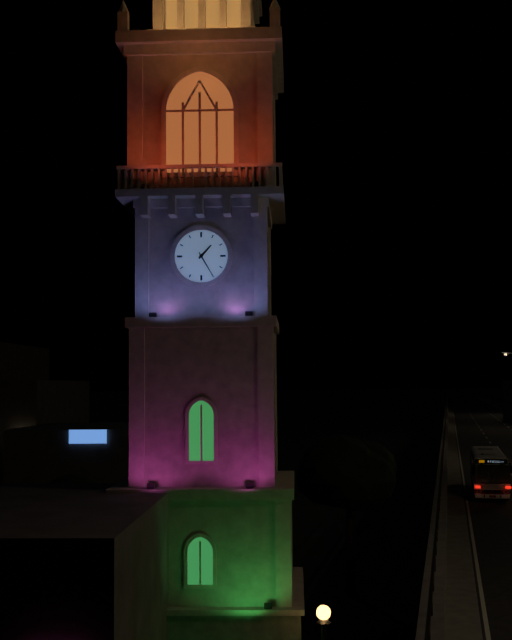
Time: **1:25**
